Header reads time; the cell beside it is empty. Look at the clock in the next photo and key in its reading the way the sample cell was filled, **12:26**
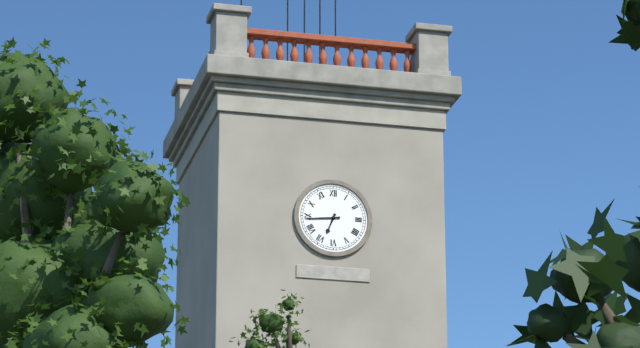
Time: **6:44**
